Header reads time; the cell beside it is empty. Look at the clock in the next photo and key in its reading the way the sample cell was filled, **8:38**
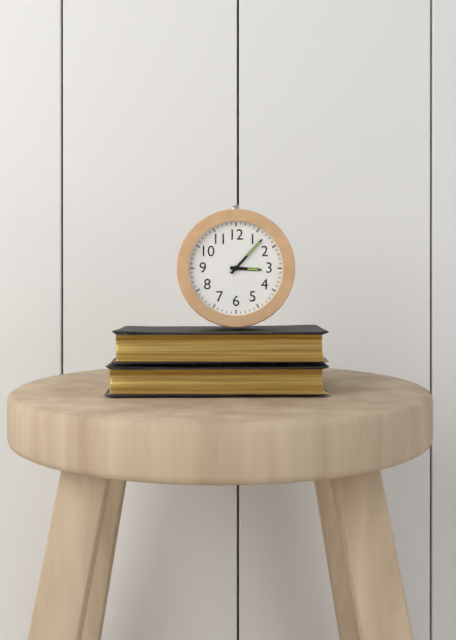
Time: **3:07**
